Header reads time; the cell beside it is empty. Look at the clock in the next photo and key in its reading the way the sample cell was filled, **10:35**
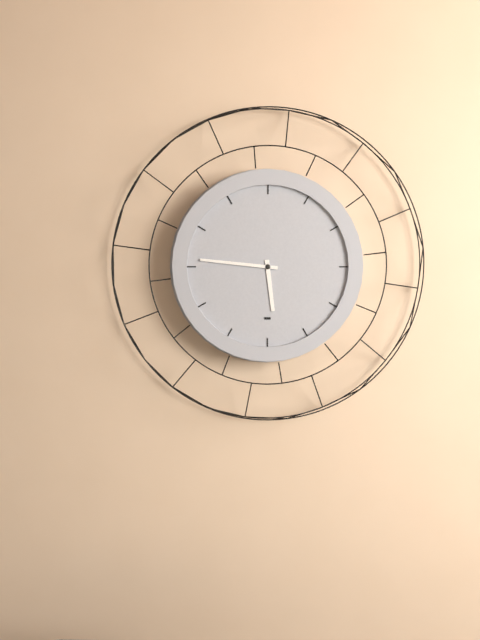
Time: **5:46**
